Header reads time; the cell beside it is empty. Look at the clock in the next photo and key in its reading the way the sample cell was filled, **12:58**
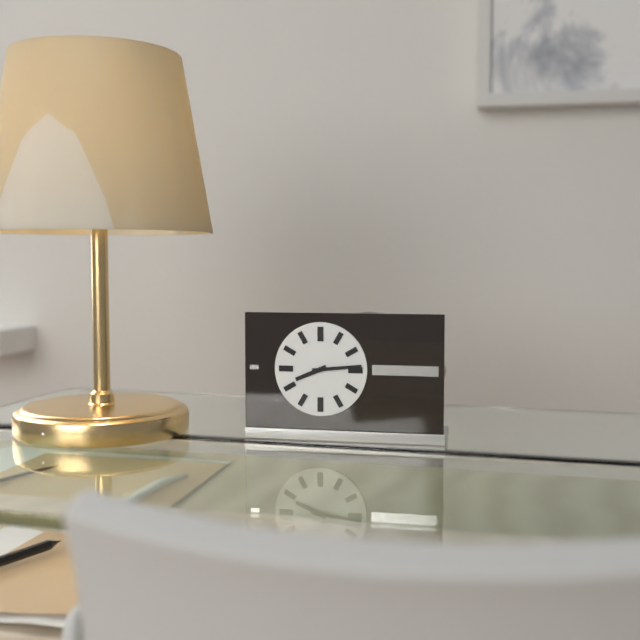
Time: **8:14**
